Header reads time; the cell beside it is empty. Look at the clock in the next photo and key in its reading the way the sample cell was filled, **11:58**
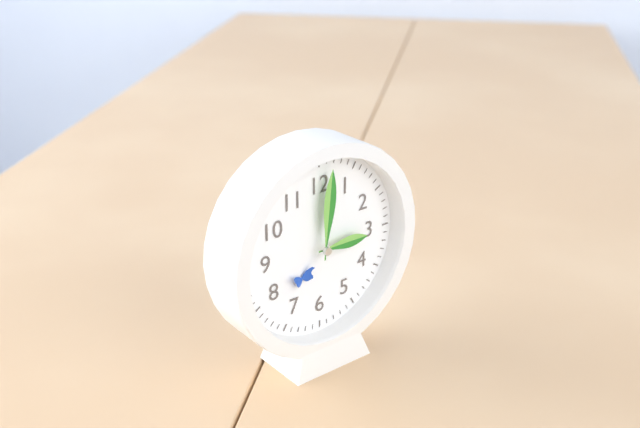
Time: **3:01**
